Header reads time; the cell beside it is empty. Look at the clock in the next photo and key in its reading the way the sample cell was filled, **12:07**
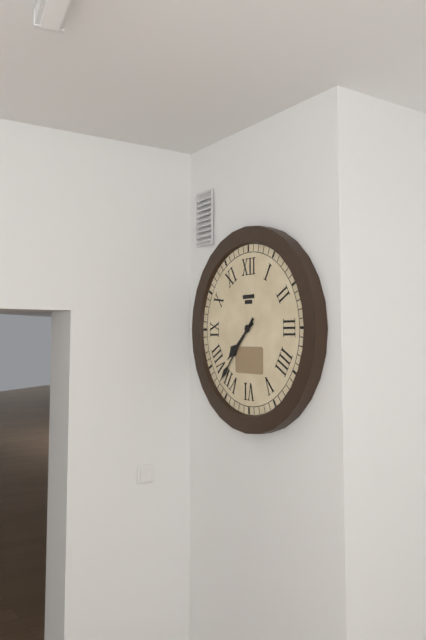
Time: **7:37**
